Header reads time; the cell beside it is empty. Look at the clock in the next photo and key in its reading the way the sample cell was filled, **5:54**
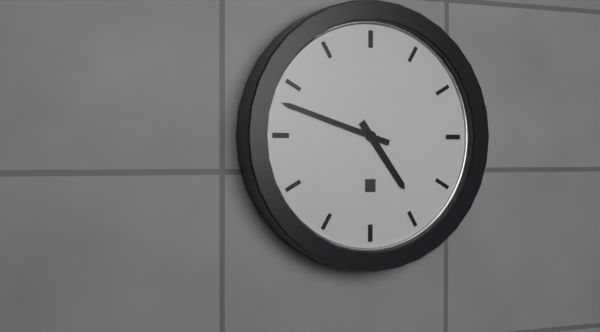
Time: **4:48**
